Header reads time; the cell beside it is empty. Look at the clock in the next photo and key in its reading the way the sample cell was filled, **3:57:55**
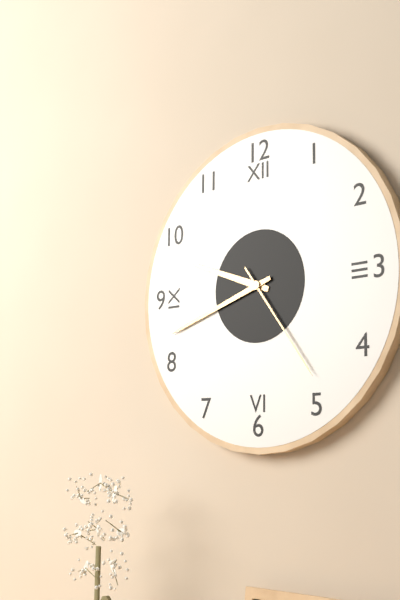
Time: **9:42:24**
